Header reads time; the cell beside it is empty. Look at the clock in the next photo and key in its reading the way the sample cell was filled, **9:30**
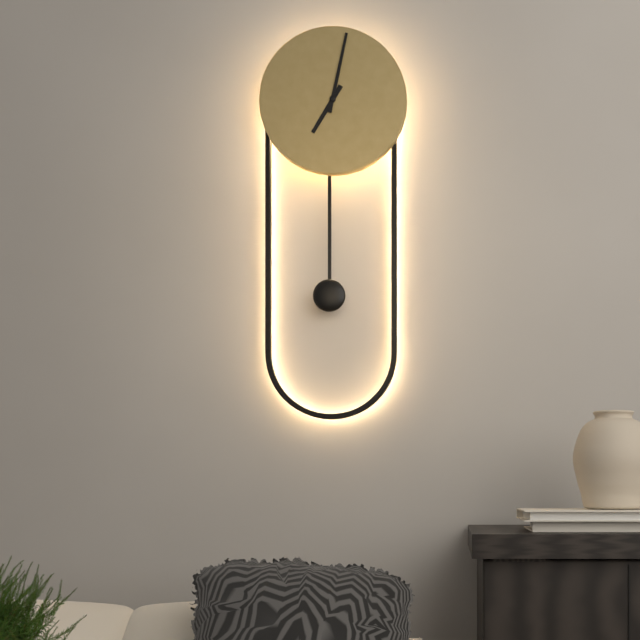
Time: **7:02**
